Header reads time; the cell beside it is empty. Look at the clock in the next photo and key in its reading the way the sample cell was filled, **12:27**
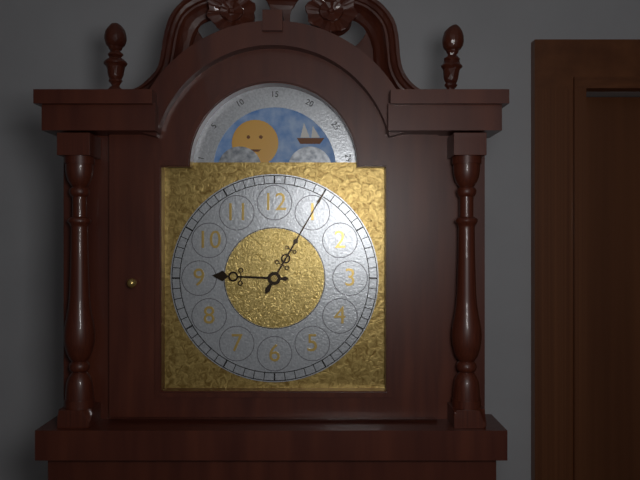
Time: **9:05**
